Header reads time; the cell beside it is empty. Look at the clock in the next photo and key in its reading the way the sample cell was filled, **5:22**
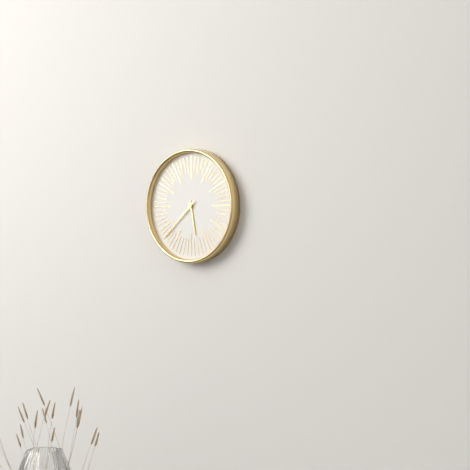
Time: **5:38**
